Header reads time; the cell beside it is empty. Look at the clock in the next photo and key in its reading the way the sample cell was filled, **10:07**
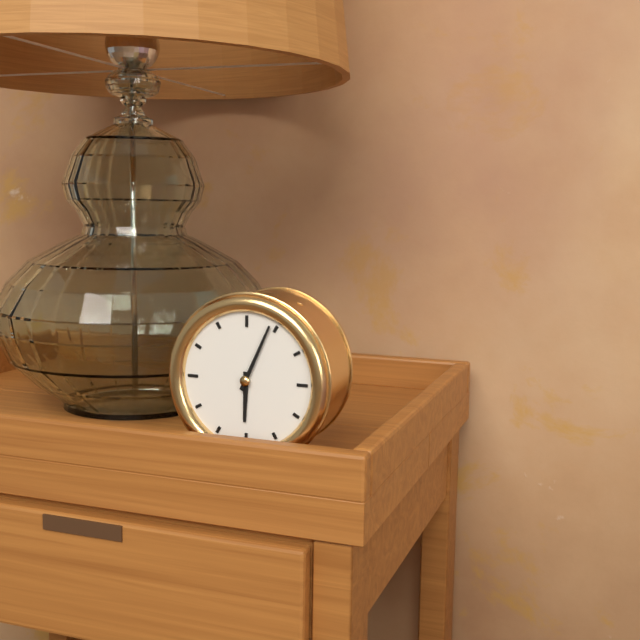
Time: **6:04**
